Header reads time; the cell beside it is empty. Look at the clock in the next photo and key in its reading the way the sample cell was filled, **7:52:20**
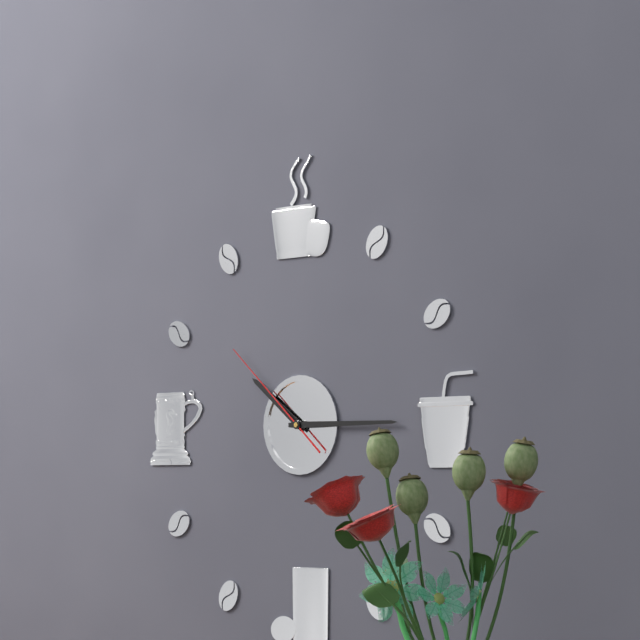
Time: **10:15:52**
